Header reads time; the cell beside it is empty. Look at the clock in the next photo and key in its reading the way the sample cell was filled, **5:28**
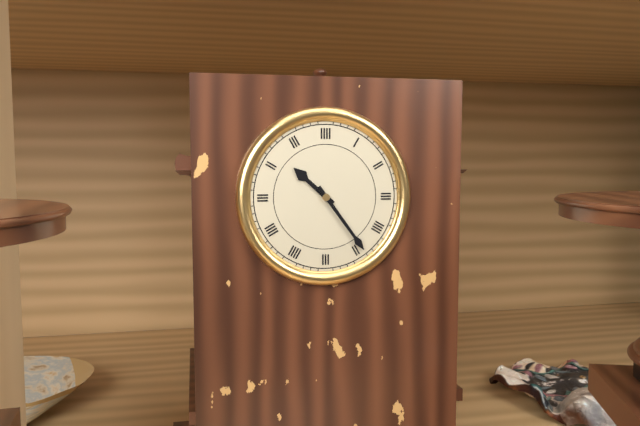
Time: **10:24**
